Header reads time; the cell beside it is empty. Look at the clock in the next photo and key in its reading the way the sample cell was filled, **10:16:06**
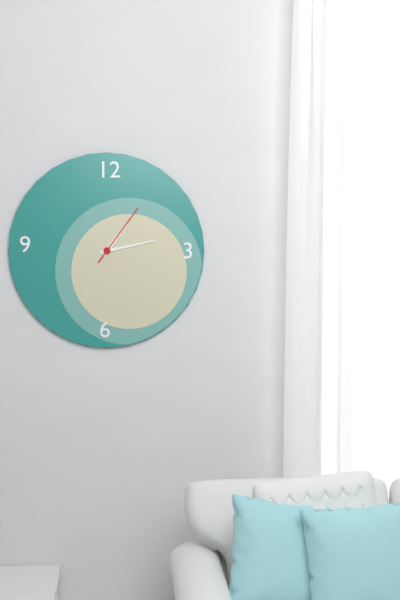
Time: **1:13:06**
